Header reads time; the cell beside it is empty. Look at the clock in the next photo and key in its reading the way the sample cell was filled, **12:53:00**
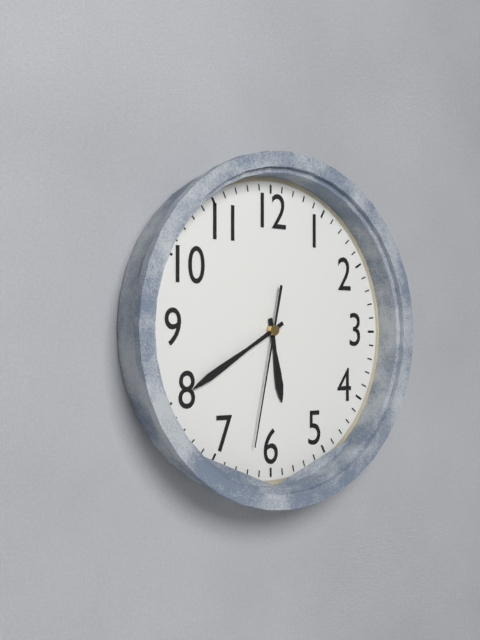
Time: **5:40:32**
